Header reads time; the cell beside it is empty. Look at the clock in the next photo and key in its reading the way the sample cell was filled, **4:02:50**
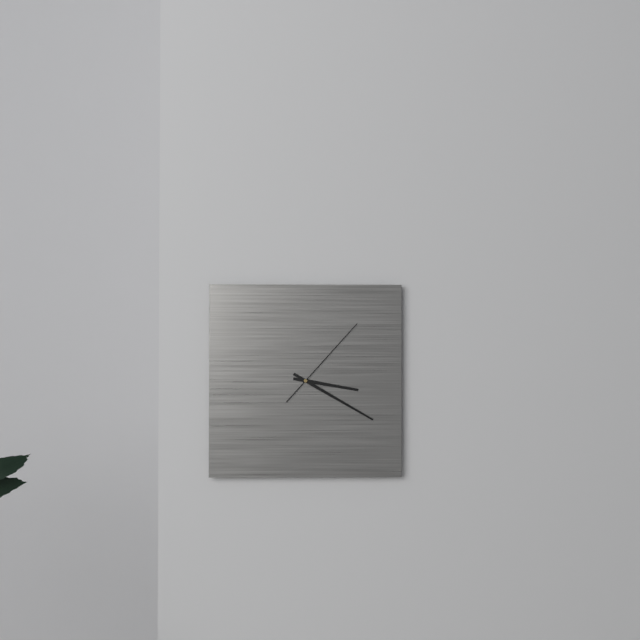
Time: **3:20:07**
